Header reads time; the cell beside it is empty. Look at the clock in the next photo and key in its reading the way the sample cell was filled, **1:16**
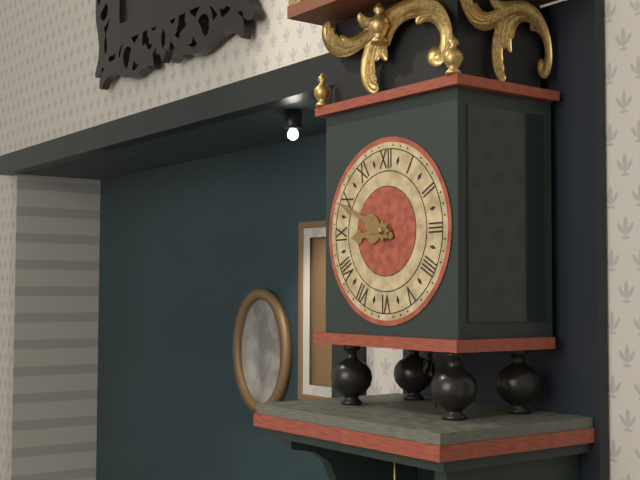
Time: **8:49**
